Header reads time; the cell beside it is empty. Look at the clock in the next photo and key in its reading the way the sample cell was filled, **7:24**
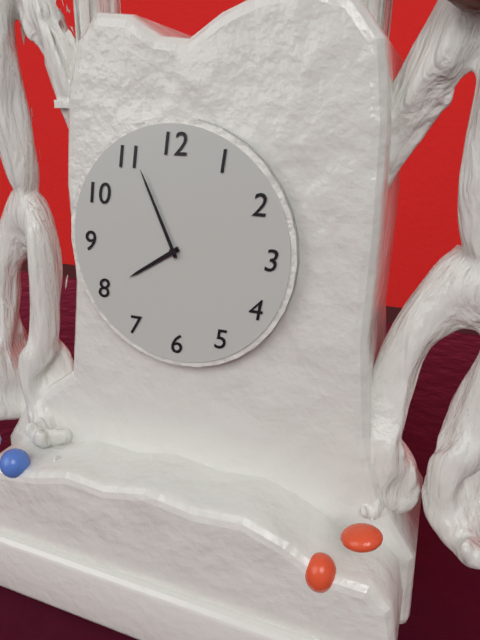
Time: **7:56**
